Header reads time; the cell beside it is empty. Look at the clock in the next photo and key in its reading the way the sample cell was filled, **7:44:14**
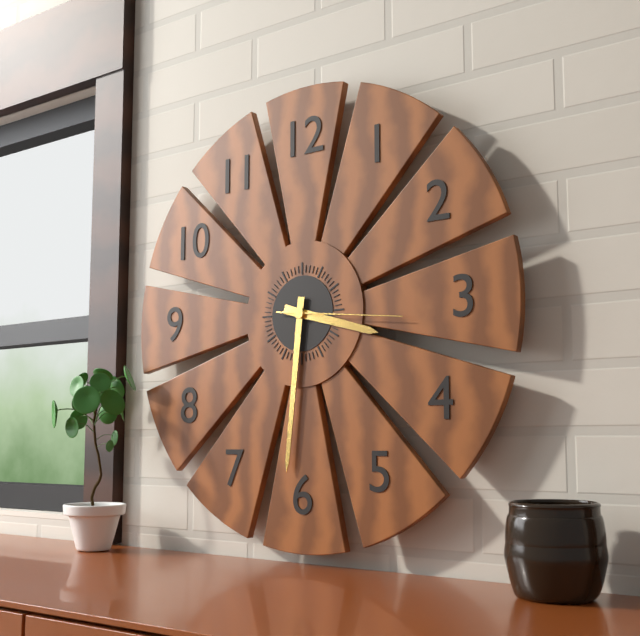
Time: **3:31:16**
